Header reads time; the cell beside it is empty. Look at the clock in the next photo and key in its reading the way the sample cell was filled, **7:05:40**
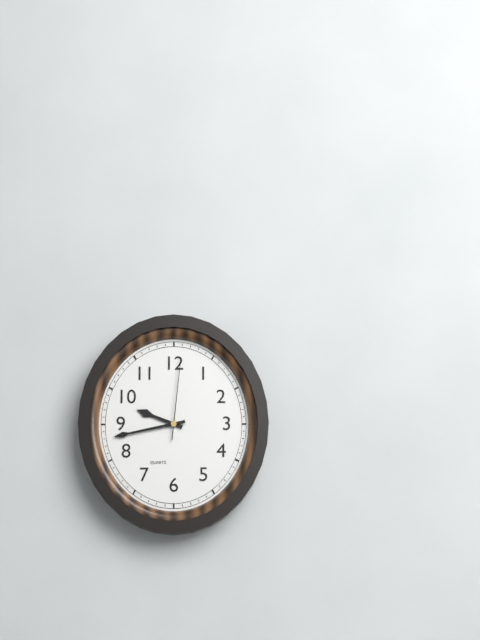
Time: **9:43:01**
